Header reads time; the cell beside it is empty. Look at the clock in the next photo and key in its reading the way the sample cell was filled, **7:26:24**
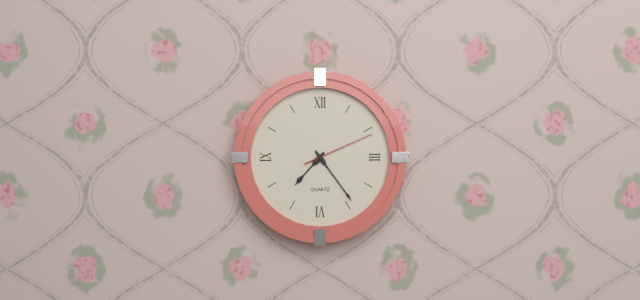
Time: **7:24:11**
